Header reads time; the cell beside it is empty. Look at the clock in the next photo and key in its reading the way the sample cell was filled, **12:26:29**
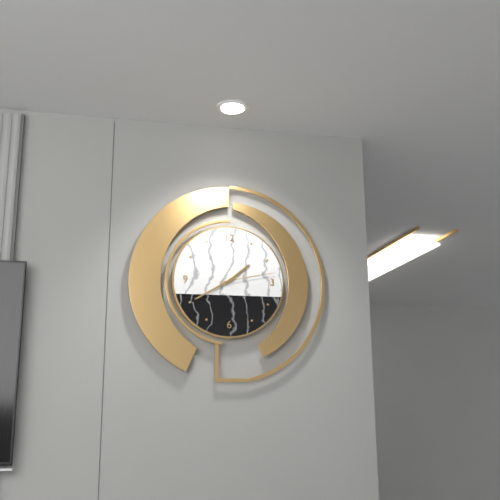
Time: **1:40:13**
